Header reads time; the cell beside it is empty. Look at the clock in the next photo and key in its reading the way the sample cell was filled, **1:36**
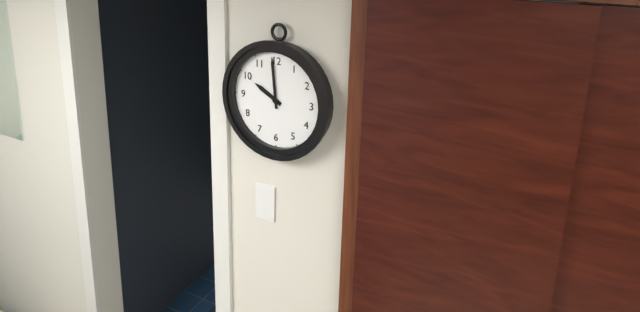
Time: **9:59**
